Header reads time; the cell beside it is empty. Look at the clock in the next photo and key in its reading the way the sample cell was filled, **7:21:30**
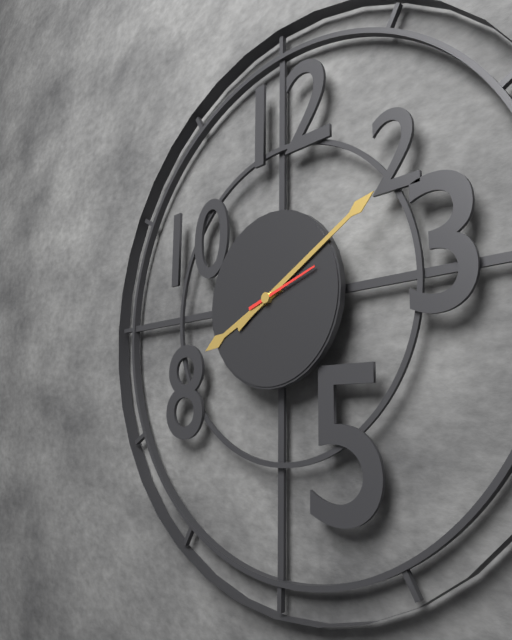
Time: **8:10:12**
